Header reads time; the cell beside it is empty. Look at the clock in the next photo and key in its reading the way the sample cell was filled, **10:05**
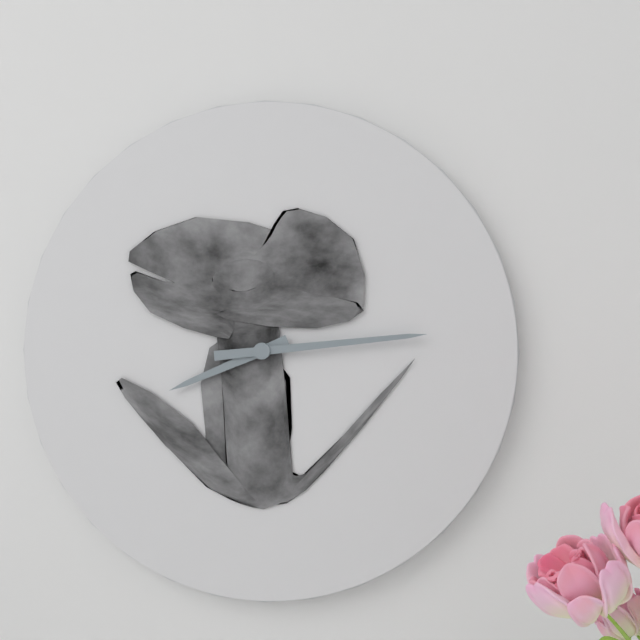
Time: **8:14**
